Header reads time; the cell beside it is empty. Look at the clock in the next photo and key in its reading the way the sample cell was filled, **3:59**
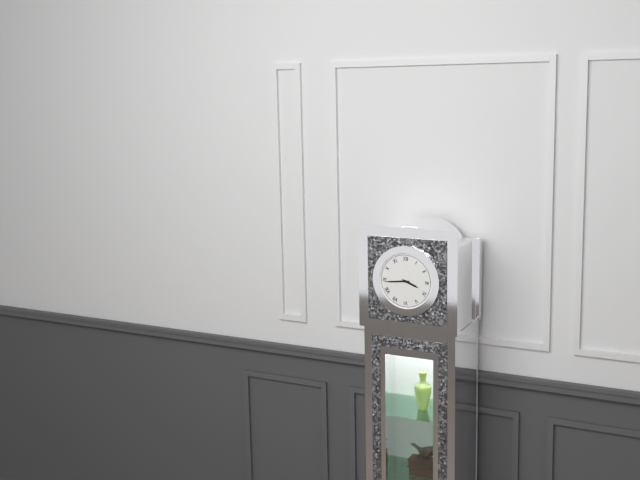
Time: **3:44**
